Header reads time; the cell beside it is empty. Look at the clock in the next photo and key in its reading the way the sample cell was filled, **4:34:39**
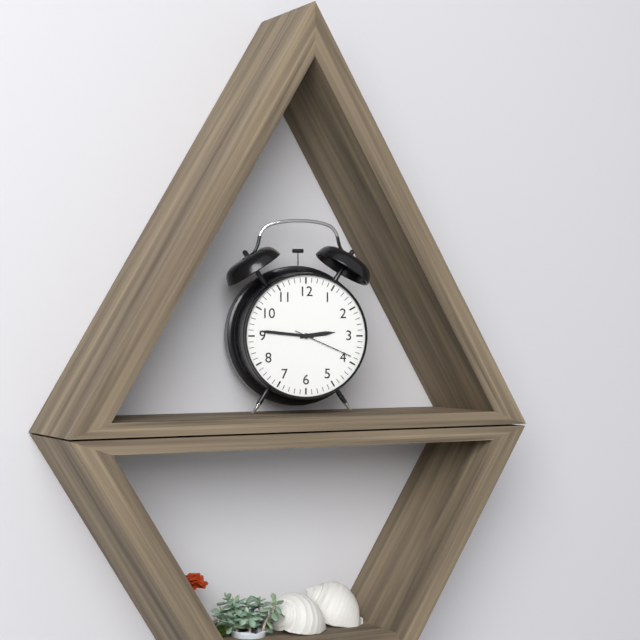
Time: **2:46:19**
